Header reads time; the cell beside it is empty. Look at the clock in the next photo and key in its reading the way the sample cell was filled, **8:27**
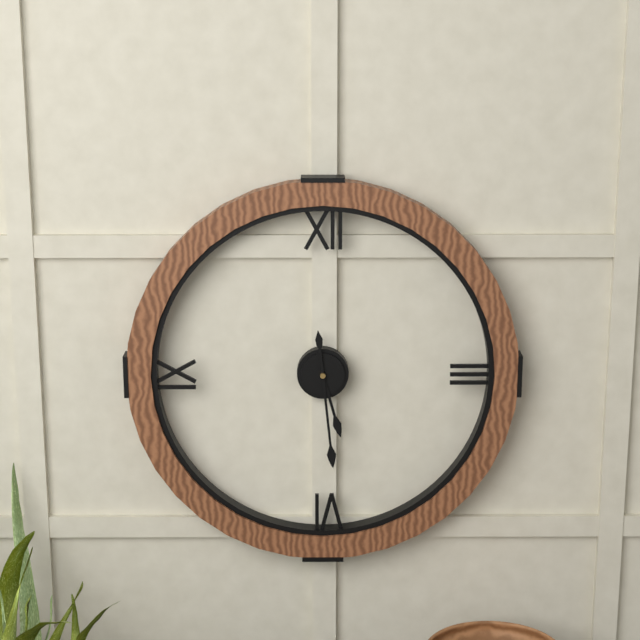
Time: **5:29**
